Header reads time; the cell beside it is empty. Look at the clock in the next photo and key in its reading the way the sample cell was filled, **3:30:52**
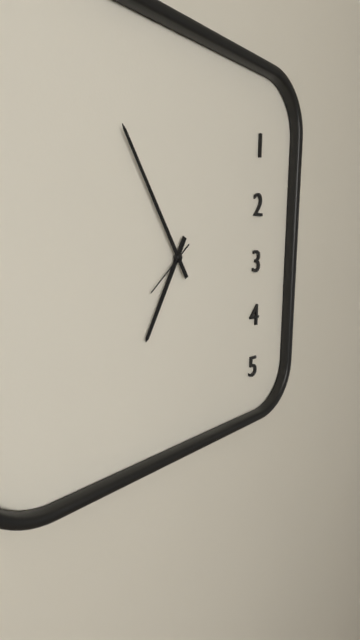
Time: **6:55:38**
